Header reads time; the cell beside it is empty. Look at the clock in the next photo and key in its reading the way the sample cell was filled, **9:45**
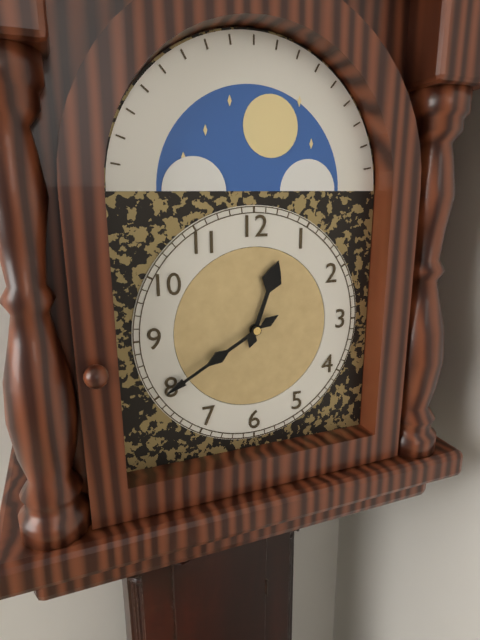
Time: **12:40**
